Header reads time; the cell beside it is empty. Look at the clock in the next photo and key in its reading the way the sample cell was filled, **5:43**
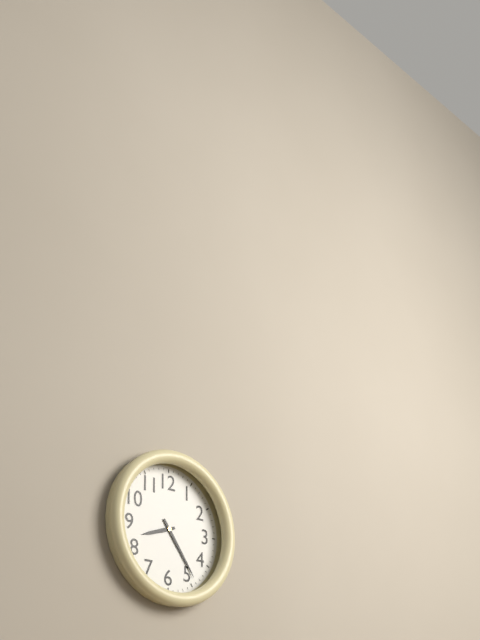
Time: **8:24**
